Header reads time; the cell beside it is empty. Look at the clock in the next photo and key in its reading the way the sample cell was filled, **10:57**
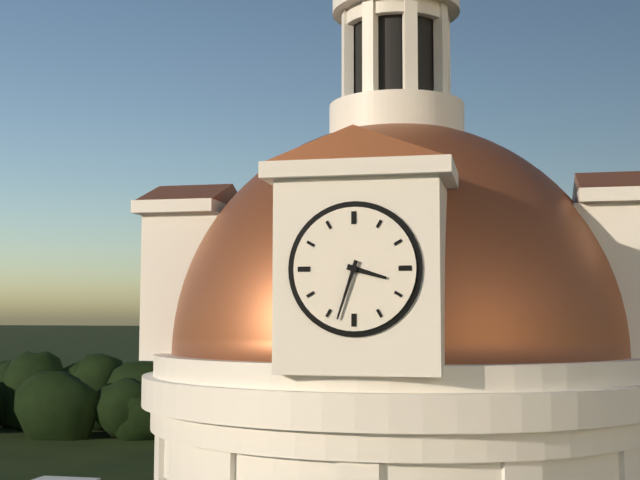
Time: **3:33**
